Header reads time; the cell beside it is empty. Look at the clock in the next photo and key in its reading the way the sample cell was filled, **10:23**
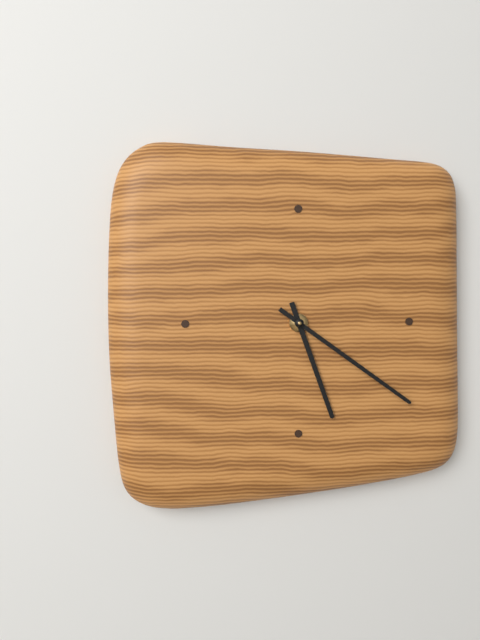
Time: **5:21**
